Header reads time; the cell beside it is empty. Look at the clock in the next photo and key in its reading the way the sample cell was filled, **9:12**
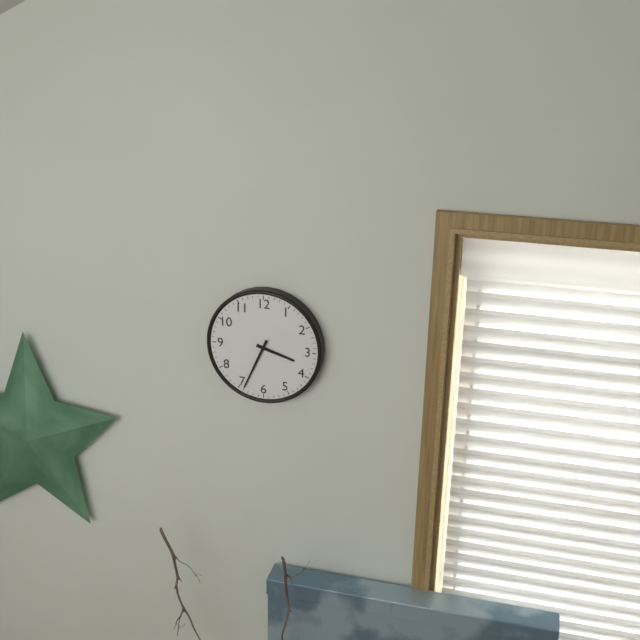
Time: **3:34**
